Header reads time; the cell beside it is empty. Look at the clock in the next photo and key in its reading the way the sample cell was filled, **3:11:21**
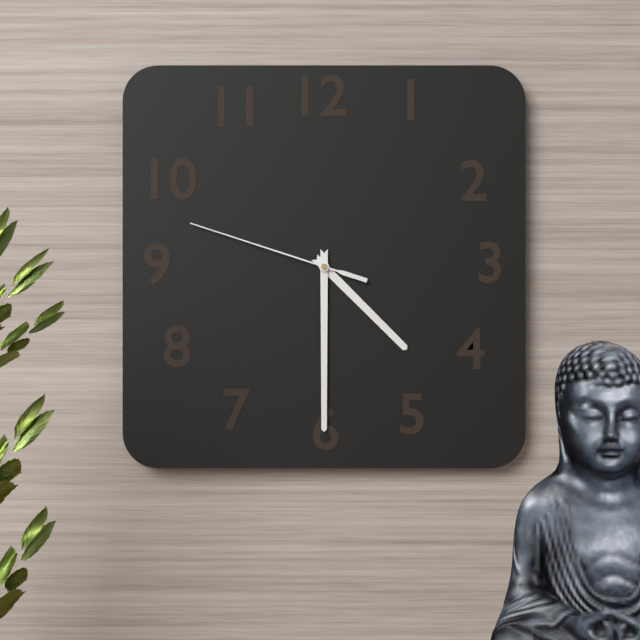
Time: **4:30:48**
